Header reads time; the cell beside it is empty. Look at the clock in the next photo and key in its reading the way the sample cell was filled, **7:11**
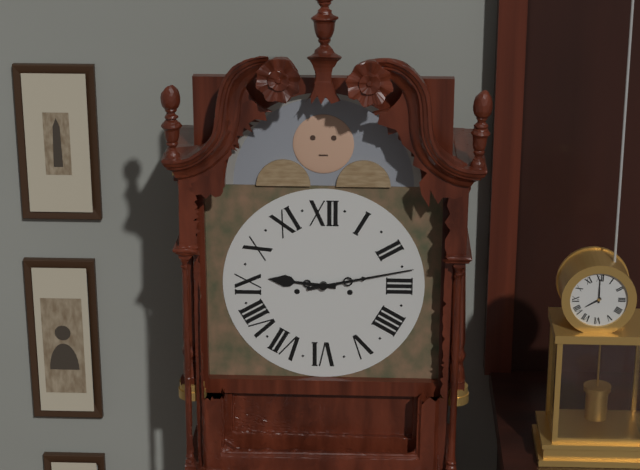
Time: **9:13**
